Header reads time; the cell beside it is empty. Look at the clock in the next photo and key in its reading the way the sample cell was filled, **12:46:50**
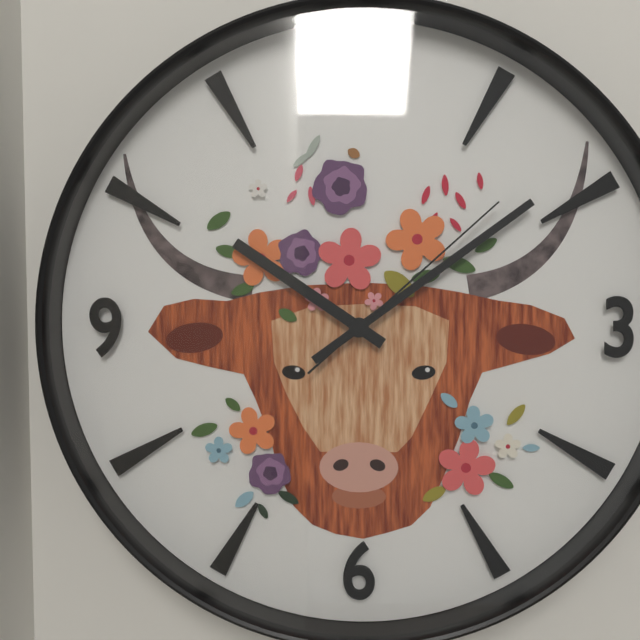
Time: **10:09:08**
